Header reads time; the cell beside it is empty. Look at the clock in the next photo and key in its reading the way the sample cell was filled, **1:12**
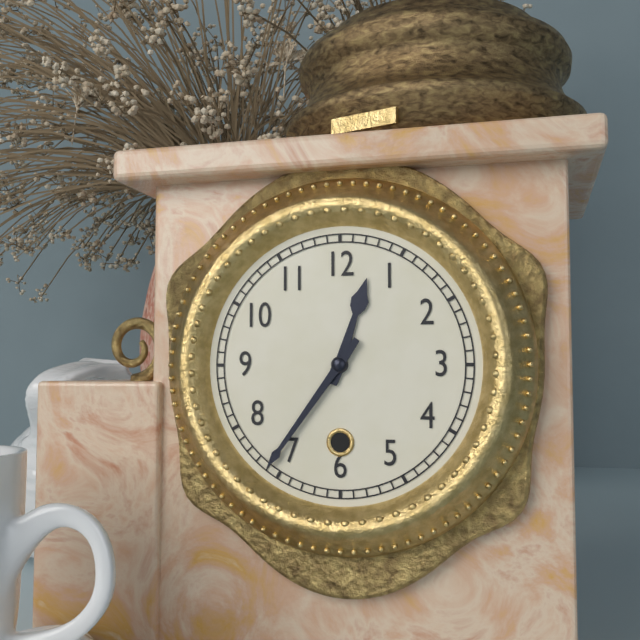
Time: **12:36**
